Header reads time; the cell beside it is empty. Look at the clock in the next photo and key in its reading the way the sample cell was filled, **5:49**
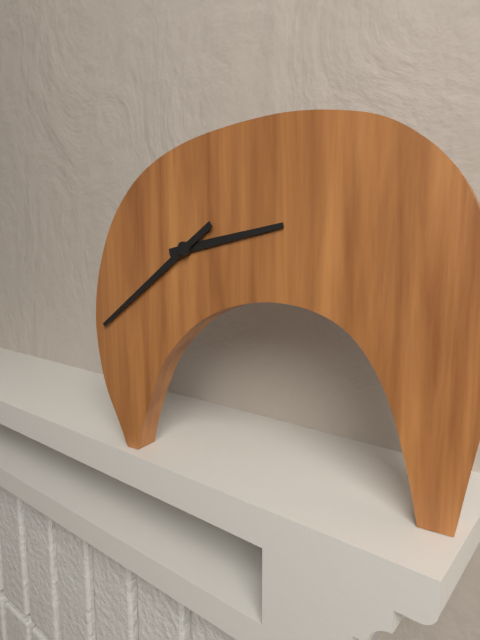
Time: **2:39**
